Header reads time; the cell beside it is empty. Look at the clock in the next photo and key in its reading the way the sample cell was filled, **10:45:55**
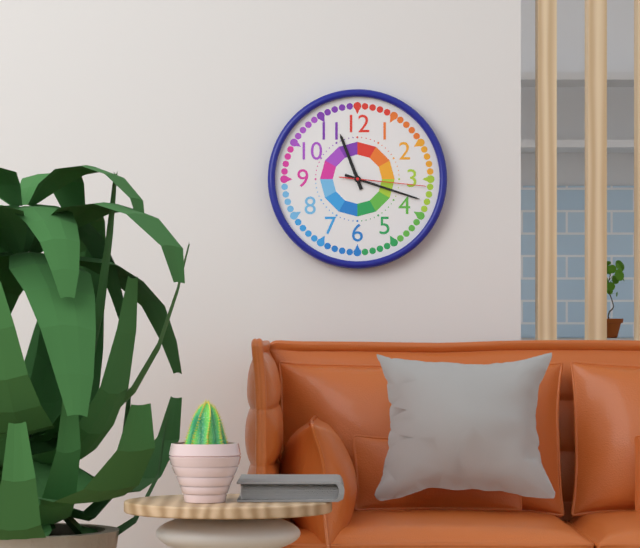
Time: **11:18:16**
